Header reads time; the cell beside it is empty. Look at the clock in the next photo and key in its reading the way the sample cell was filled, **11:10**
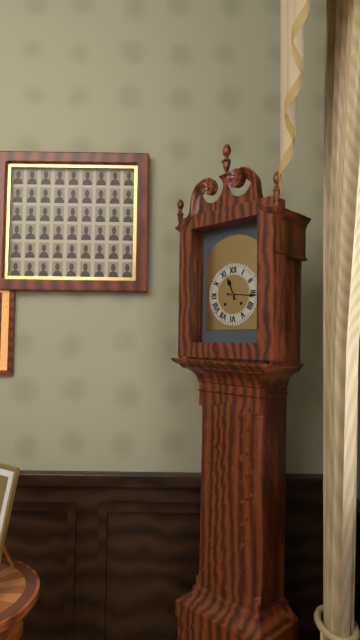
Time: **11:16**
